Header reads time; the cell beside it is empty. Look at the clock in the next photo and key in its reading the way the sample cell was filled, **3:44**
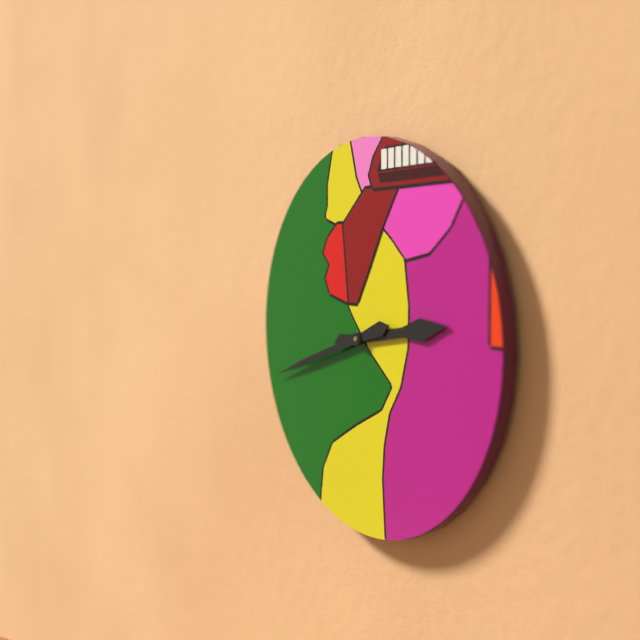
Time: **2:42**
